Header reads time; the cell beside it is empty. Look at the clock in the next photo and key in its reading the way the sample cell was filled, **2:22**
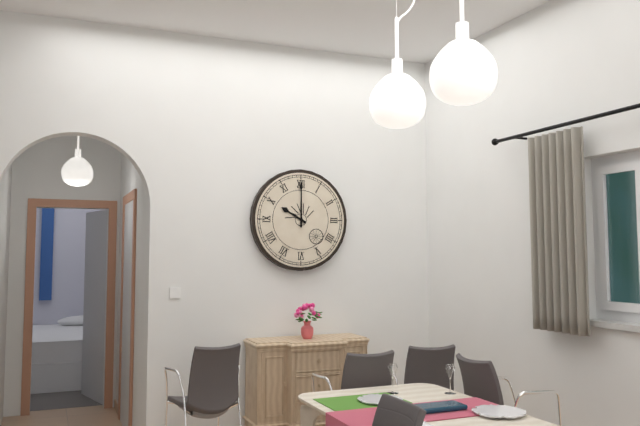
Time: **10:00**
